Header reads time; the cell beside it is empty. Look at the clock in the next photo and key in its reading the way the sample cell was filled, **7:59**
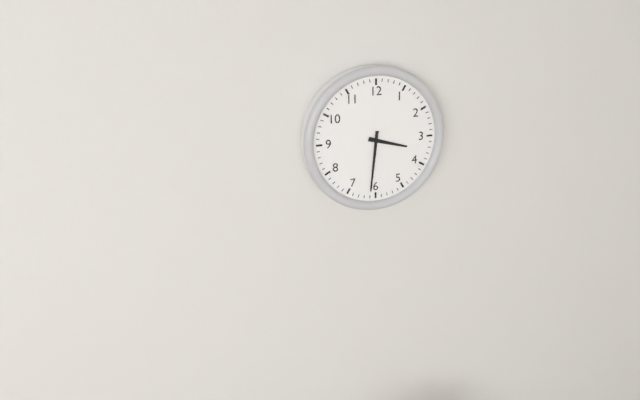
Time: **3:31**
